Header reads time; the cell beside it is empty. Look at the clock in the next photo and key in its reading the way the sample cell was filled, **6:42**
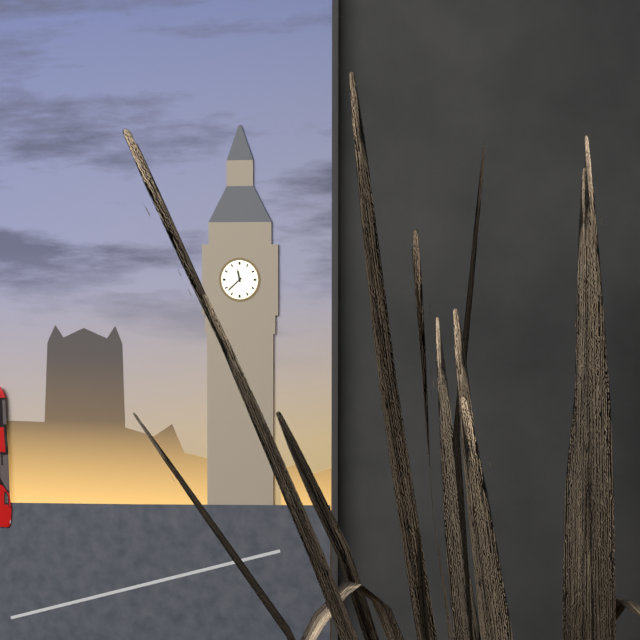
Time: **11:38**
